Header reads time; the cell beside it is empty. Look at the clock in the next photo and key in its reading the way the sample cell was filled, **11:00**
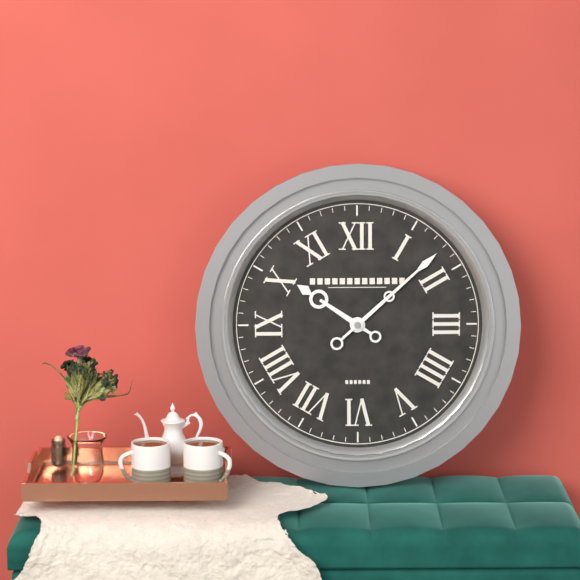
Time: **10:08**
